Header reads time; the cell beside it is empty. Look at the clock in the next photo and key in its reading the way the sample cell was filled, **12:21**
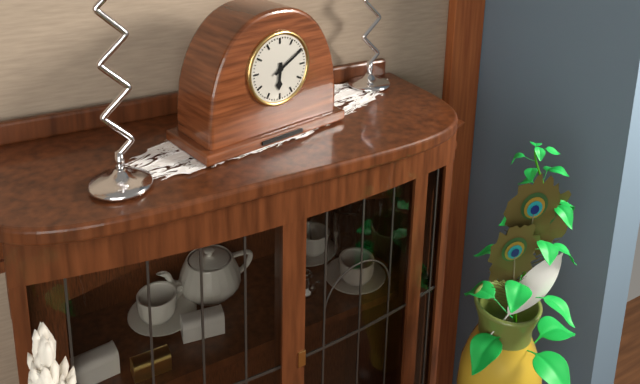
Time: **6:10**
